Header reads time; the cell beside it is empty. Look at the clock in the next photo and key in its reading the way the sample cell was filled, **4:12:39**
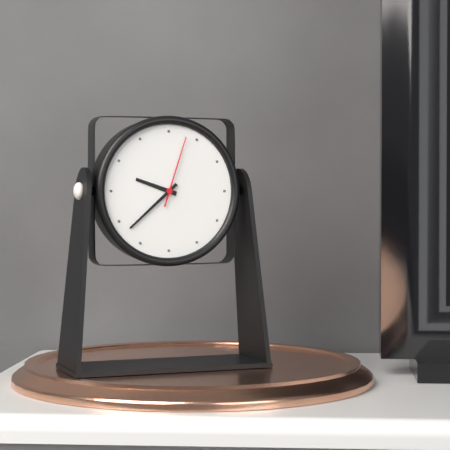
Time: **9:38:03**
